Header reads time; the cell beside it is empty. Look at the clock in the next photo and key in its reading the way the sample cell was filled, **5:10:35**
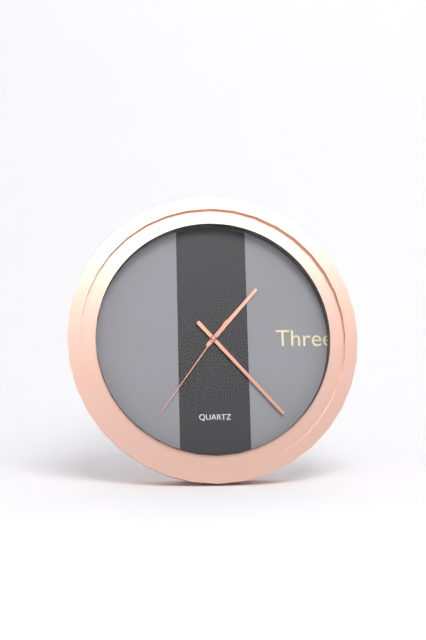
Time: **1:23:36**
